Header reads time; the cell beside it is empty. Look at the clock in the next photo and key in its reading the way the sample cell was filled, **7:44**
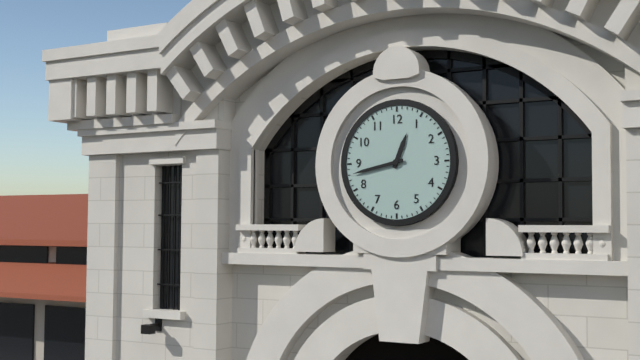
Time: **12:43**
